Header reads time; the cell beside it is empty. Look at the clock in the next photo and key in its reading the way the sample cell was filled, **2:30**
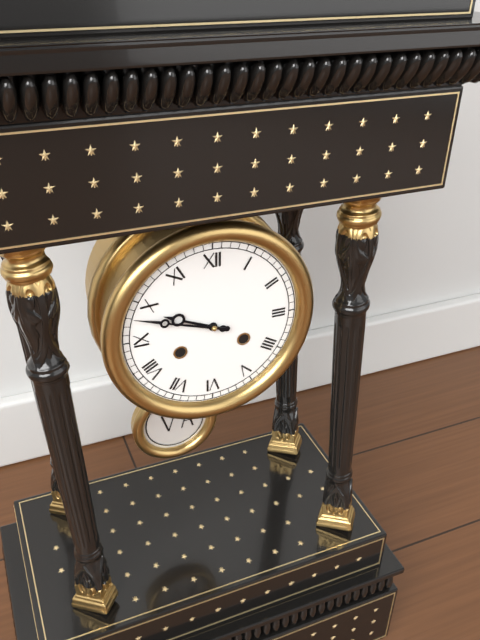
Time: **9:48**
